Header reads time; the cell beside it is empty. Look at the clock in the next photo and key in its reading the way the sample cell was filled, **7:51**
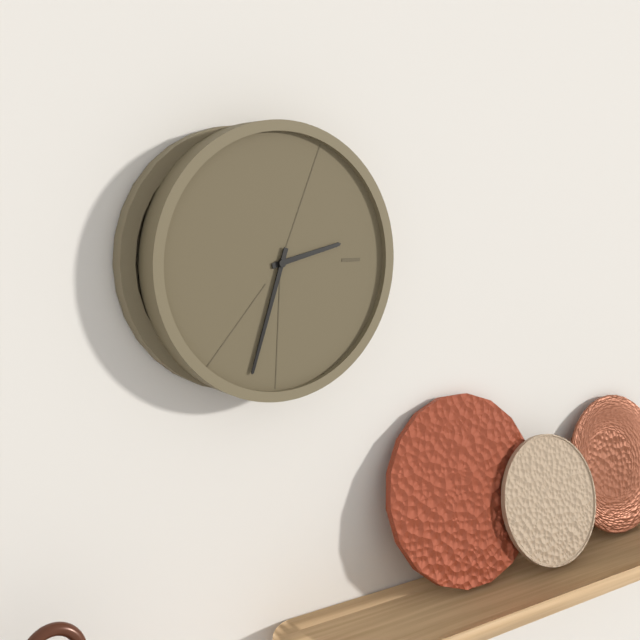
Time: **2:33**
